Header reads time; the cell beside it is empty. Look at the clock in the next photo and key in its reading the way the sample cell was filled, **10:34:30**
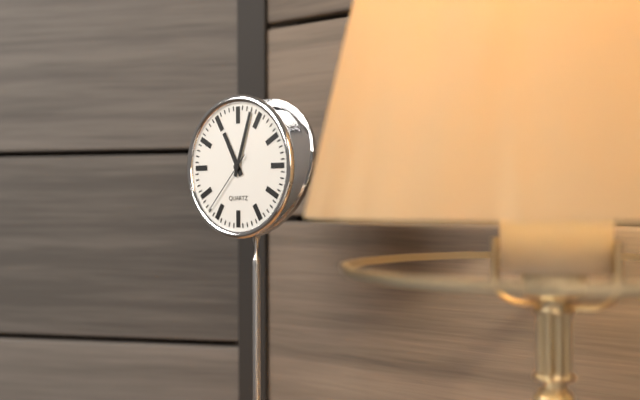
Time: **11:03:37**
